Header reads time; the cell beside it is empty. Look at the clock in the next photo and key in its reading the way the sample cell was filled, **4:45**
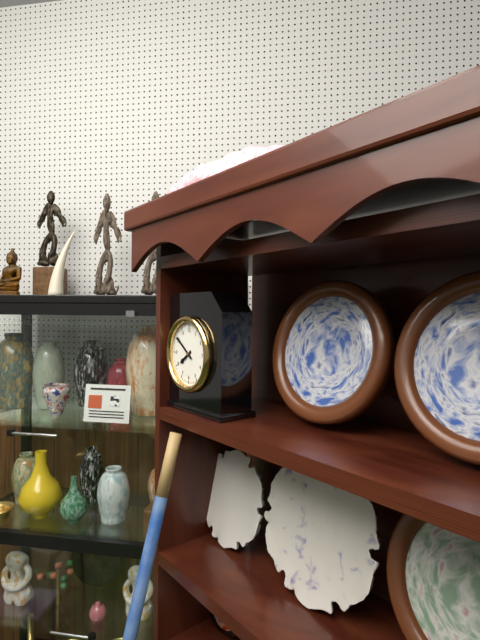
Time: **7:51**
